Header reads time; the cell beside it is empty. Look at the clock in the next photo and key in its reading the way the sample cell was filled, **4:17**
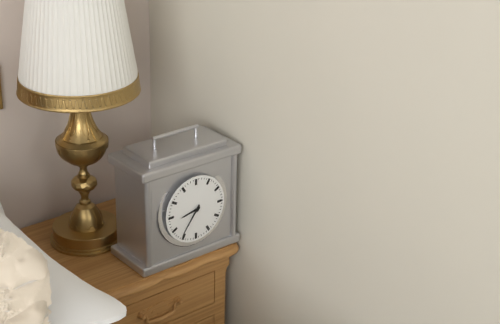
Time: **8:36**
